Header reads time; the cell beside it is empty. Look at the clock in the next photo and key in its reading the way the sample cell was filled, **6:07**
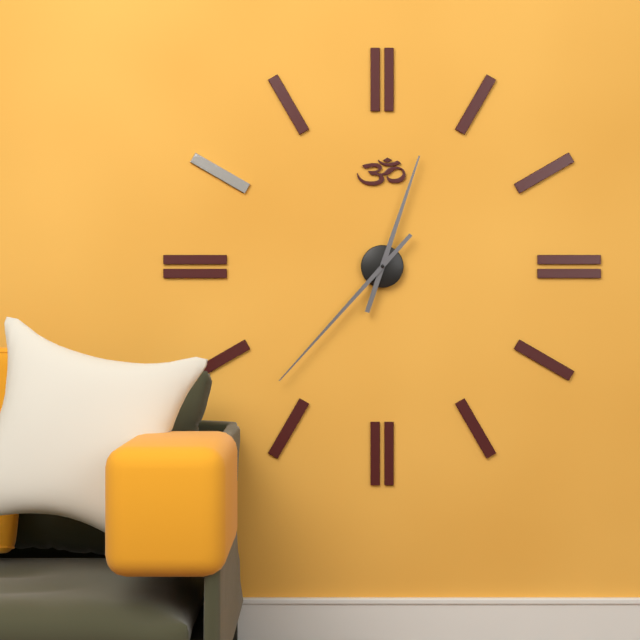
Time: **12:37**
